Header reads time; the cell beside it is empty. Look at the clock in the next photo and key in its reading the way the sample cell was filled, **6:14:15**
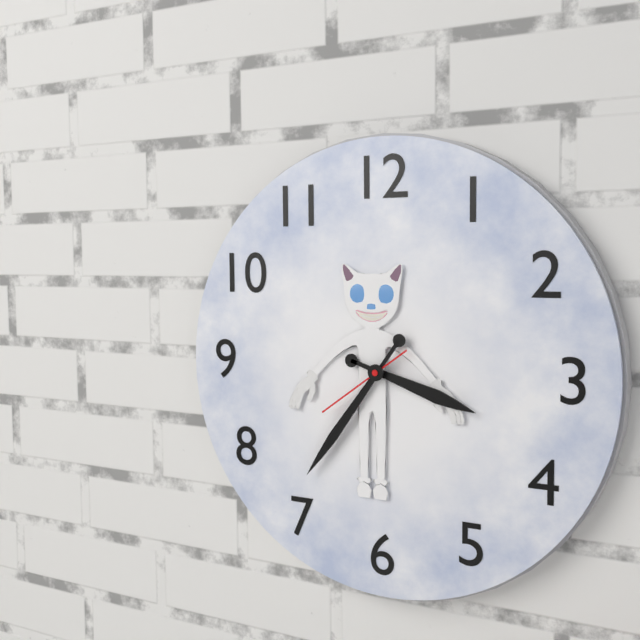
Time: **3:36:39**
